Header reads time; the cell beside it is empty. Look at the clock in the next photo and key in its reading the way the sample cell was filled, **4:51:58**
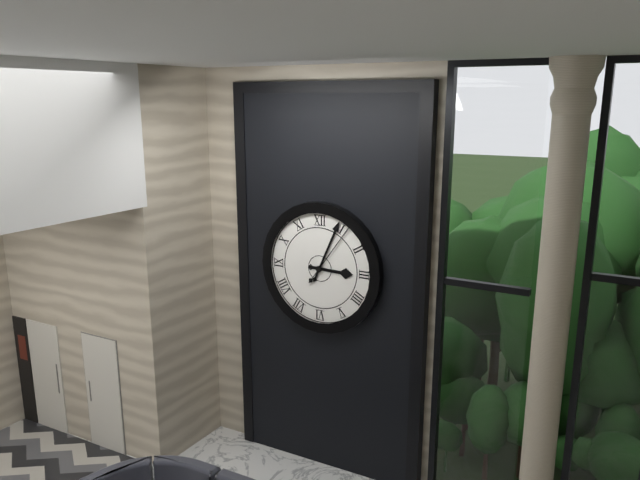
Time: **3:04:06**
